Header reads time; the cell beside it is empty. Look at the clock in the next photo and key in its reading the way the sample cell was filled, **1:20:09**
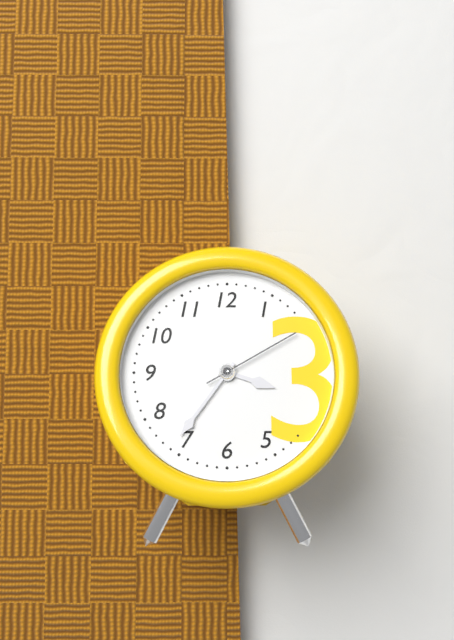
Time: **3:36:10**
